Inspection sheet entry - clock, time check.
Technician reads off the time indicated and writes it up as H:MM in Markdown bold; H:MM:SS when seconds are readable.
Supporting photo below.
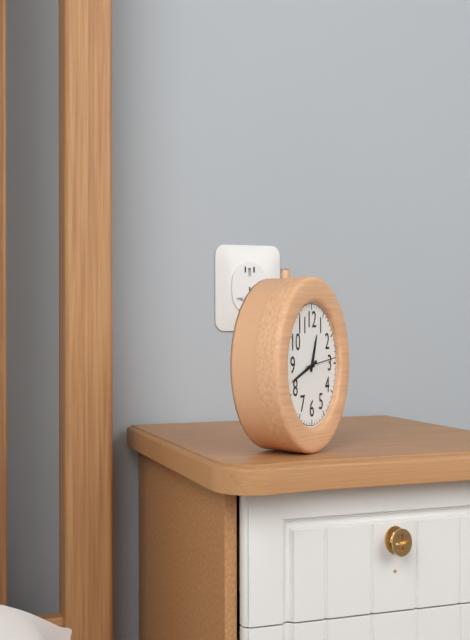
**12:42**
